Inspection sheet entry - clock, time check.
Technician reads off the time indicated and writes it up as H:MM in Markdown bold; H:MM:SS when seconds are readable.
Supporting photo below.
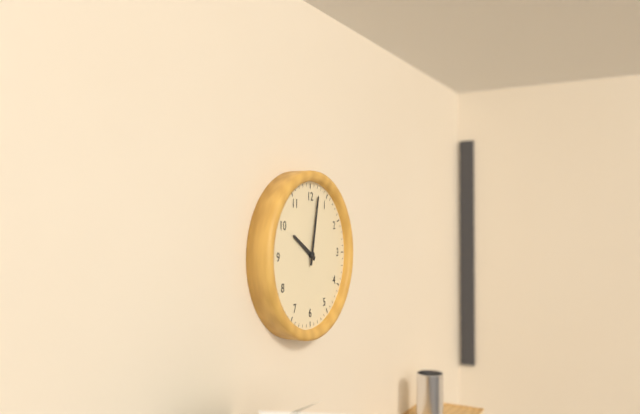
**10:02**
